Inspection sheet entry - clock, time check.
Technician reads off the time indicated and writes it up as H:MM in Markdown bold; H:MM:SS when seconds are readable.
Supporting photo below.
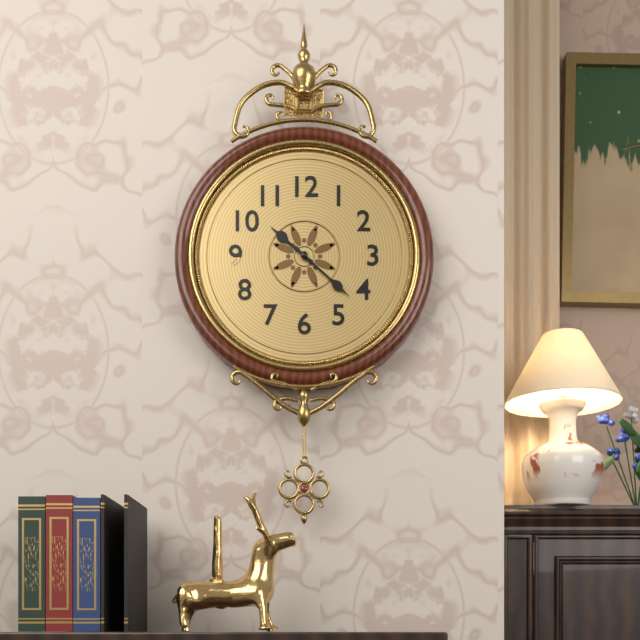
**10:22**
